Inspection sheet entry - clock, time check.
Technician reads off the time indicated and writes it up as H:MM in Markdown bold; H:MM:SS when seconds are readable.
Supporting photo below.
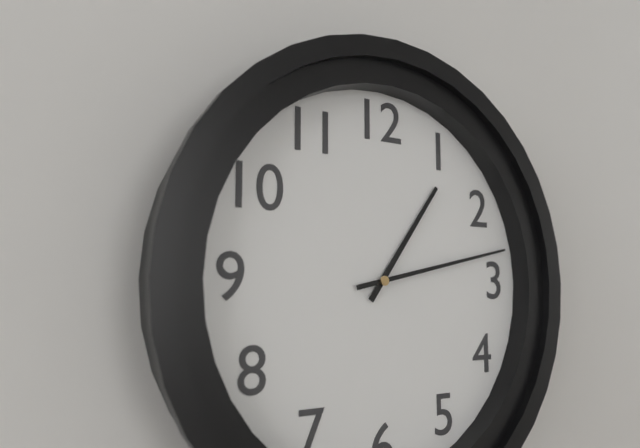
**1:13**
